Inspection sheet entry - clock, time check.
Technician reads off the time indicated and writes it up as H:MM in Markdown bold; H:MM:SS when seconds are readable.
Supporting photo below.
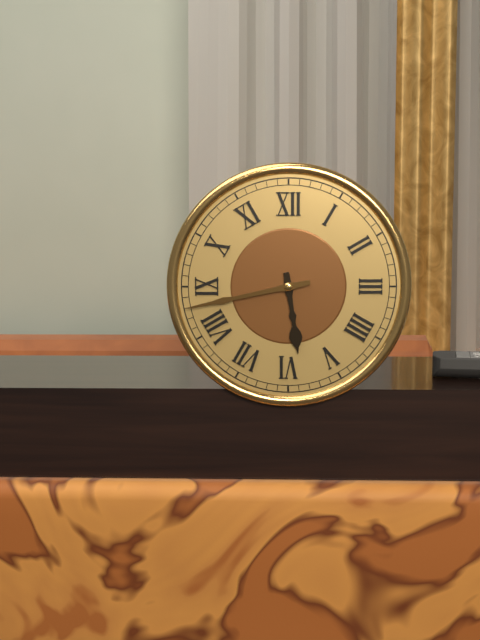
**5:43**
